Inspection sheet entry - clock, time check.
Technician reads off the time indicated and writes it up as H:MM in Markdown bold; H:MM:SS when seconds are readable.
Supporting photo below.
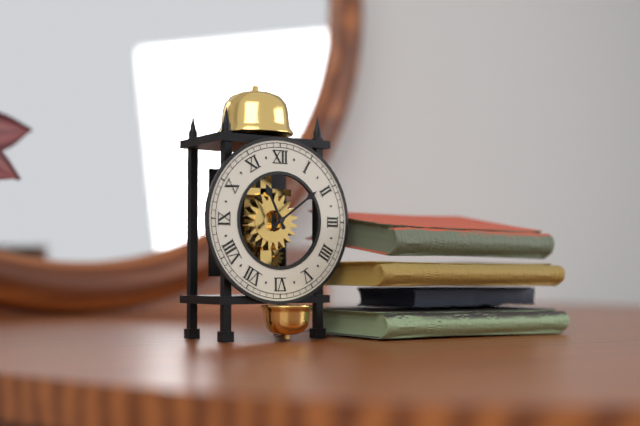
**11:09**
